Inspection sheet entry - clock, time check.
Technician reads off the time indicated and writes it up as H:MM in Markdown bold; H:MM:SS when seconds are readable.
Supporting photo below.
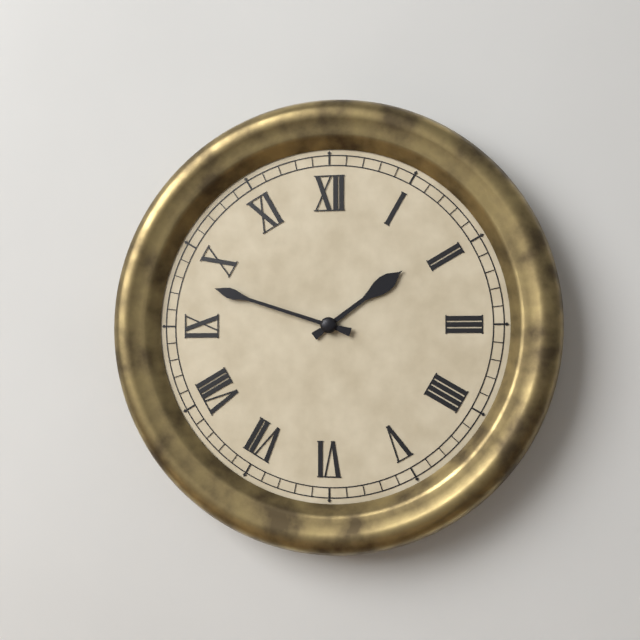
**1:48**
